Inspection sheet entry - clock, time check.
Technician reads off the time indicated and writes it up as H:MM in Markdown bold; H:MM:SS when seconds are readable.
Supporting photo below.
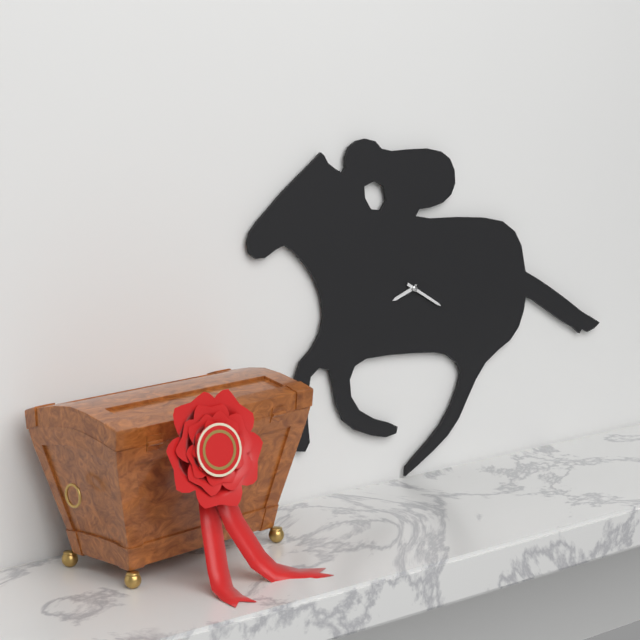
**8:20**
